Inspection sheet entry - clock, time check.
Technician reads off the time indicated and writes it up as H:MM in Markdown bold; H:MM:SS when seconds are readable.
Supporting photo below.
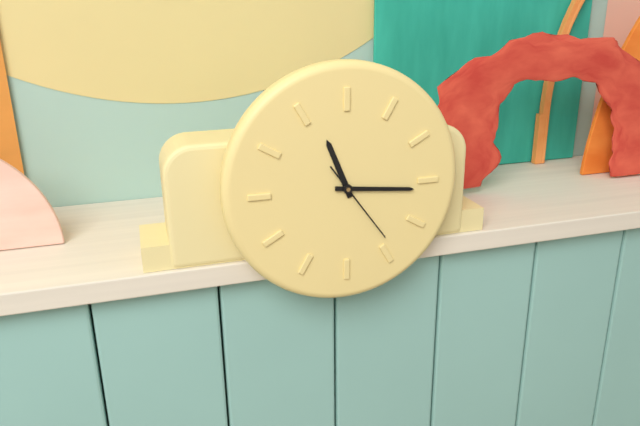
**11:16:24**
